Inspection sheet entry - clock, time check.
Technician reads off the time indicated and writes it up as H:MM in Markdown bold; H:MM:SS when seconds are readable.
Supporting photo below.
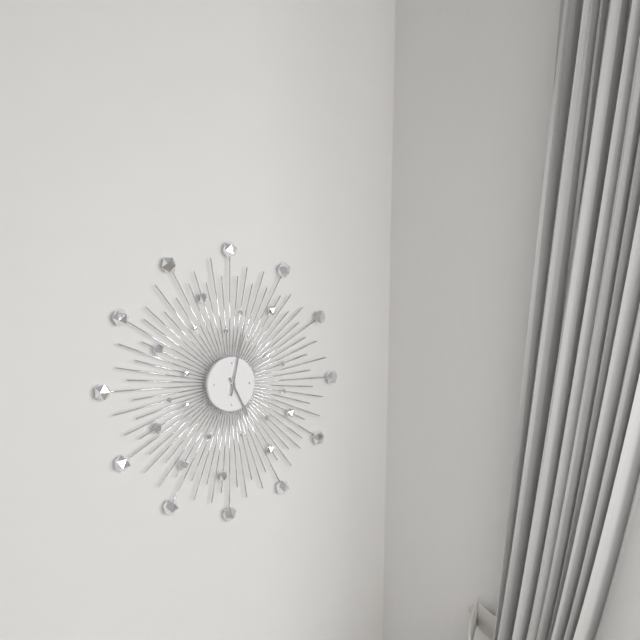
**5:02**
